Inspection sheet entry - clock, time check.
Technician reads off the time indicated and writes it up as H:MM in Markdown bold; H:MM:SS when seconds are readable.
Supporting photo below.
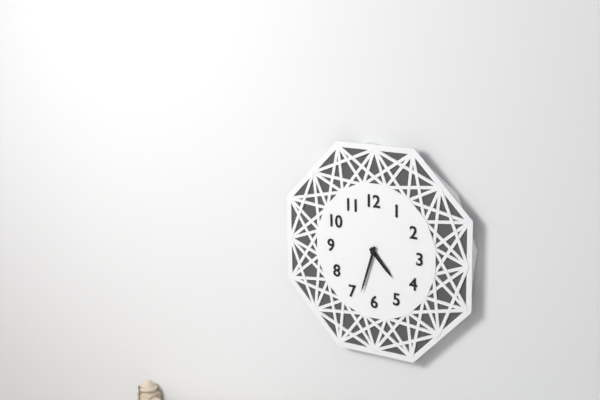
**4:33**
